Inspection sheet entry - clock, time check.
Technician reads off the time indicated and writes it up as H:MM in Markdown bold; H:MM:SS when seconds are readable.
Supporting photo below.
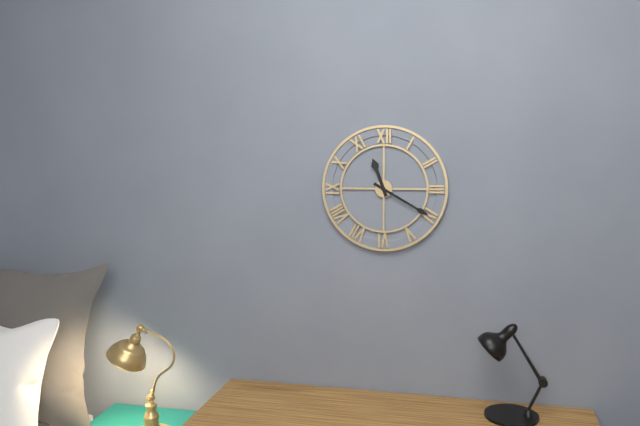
**11:20**
